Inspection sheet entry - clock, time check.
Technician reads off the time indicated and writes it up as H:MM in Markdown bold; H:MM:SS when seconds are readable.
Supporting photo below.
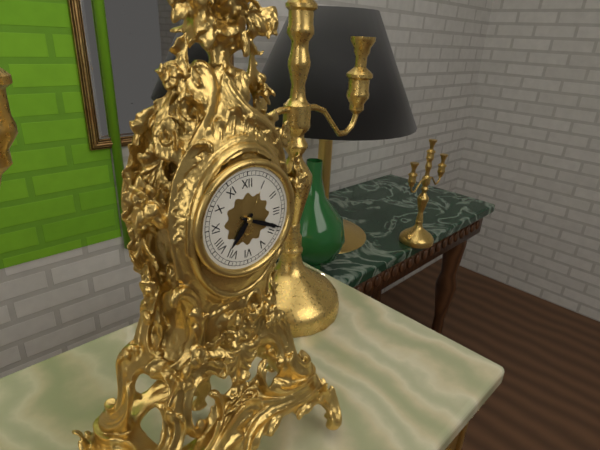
**7:19**
